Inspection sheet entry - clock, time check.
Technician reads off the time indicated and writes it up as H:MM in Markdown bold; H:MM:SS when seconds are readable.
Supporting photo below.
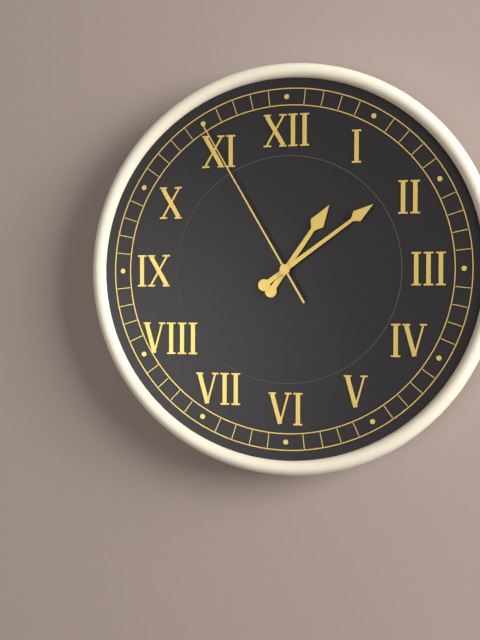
**1:09:55**
